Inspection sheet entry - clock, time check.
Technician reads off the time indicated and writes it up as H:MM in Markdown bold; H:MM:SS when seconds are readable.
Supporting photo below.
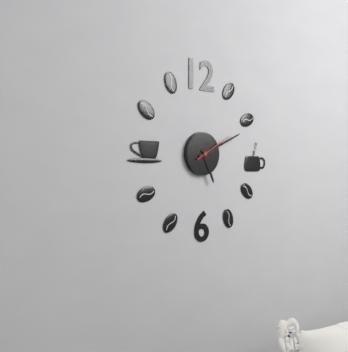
**5:11**
